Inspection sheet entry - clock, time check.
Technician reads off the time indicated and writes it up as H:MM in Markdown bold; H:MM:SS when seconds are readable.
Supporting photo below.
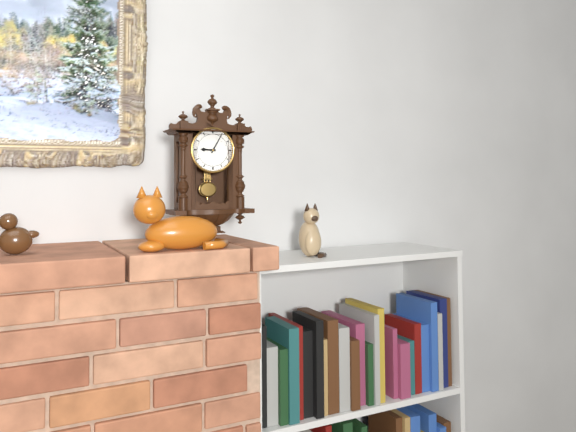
**9:05**
